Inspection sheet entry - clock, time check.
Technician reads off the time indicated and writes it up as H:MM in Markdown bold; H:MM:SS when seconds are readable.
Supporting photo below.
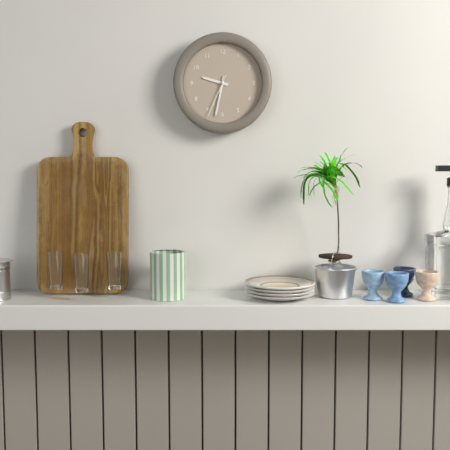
**9:32**
